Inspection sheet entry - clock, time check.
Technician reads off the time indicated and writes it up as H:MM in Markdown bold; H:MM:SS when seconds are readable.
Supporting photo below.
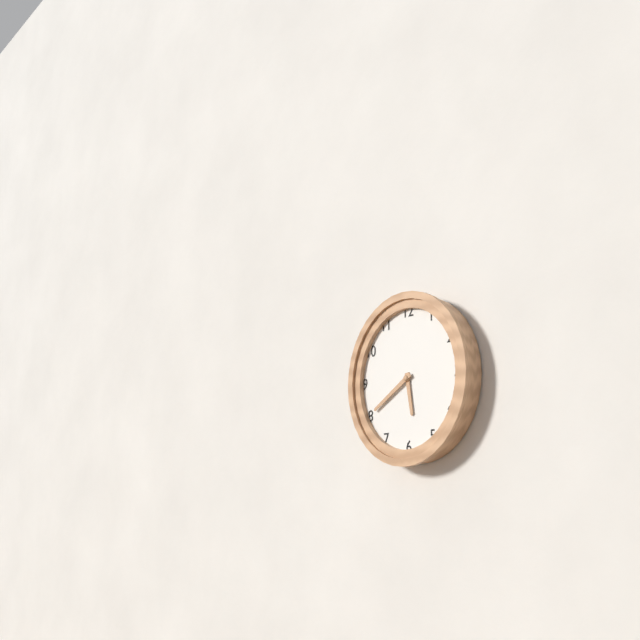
**5:40**
